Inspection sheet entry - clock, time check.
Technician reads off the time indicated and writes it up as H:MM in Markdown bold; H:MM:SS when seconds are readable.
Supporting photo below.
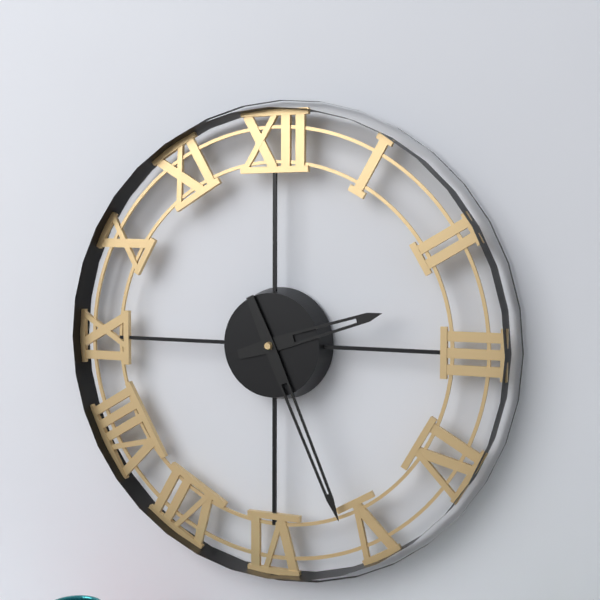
**2:26**
